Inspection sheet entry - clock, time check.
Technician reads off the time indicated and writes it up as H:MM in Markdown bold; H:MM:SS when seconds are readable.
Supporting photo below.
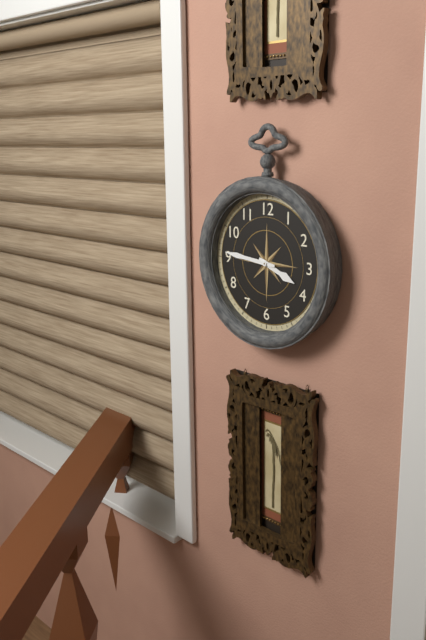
**3:46**
